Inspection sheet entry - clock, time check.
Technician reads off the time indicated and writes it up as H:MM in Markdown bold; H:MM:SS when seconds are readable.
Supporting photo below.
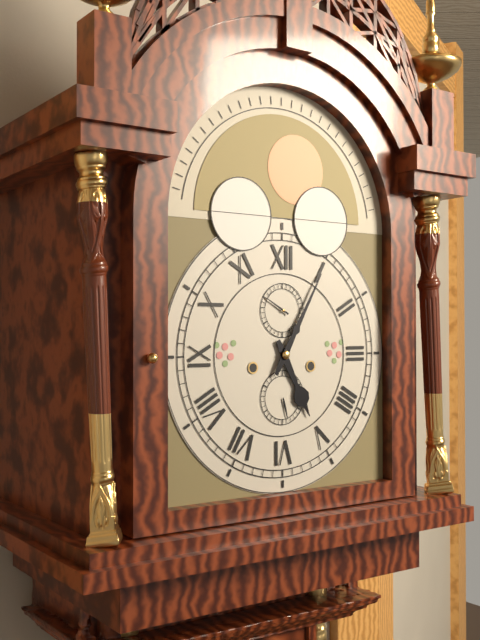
**5:05**
